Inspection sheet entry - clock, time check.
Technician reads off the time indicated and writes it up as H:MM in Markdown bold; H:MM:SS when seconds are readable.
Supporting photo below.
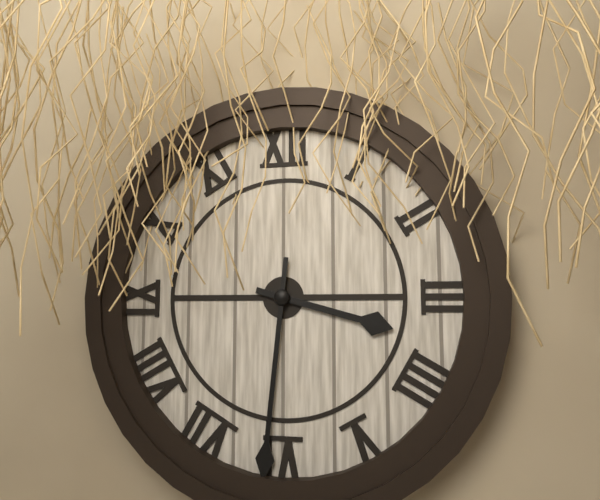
**3:31**
